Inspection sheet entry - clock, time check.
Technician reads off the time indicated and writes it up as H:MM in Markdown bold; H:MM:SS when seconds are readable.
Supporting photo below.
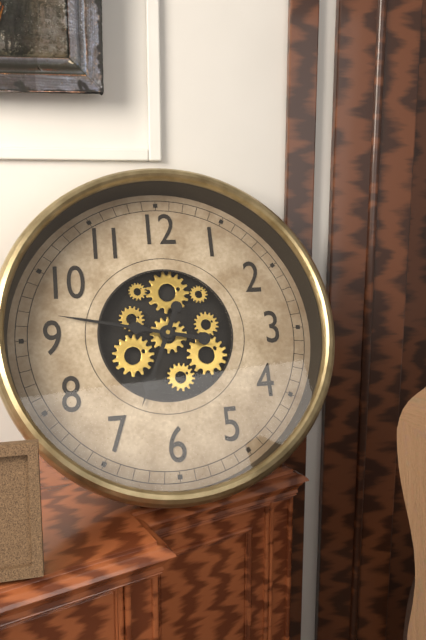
**6:47**
